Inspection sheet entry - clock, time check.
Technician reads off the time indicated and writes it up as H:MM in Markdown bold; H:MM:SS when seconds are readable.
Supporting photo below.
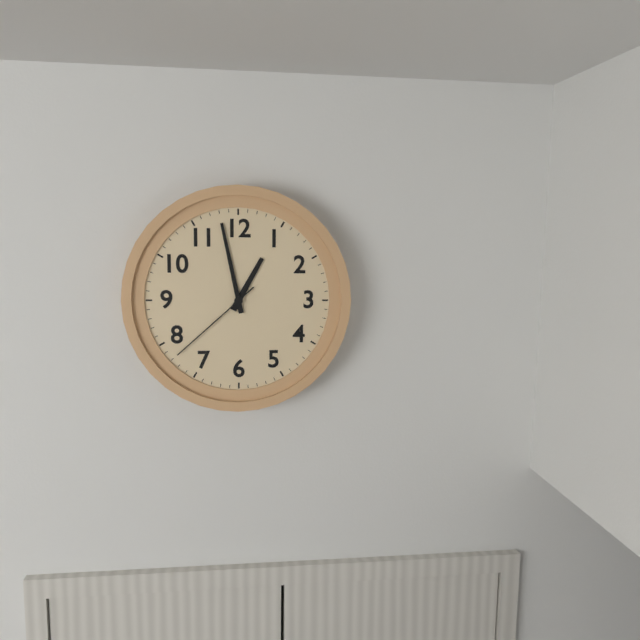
**12:58:38**
